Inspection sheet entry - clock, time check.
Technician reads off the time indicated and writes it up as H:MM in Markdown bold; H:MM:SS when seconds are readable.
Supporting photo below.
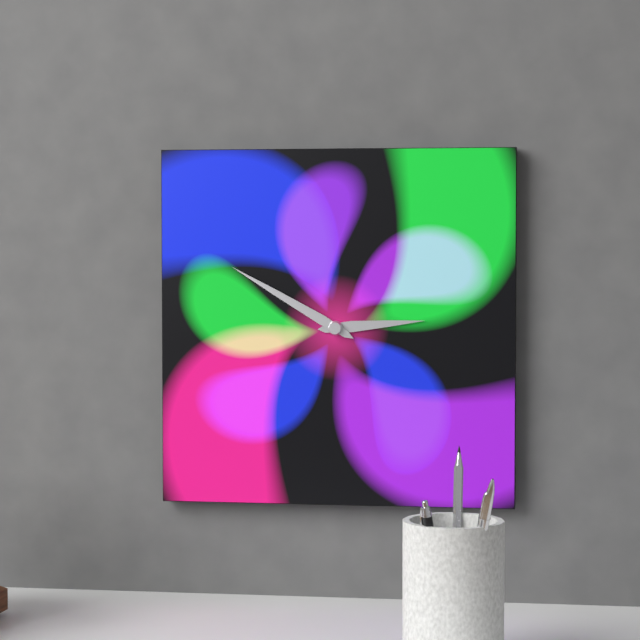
**2:50**
